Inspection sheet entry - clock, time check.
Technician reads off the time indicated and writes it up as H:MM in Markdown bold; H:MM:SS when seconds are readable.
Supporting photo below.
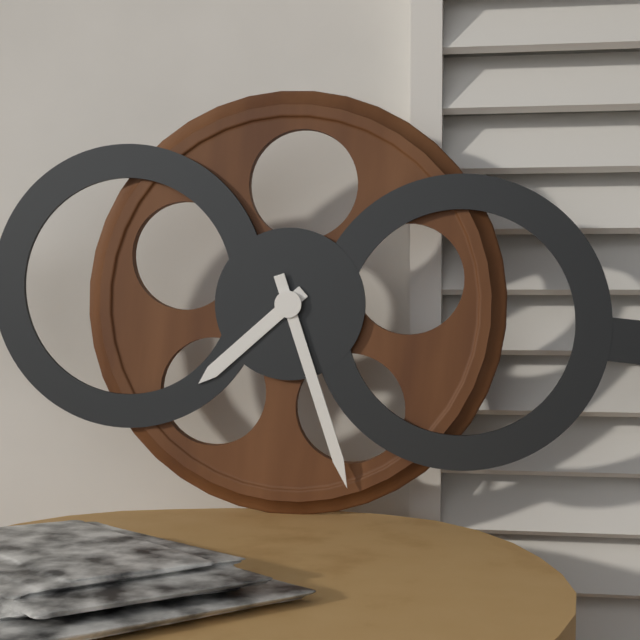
**7:26**
